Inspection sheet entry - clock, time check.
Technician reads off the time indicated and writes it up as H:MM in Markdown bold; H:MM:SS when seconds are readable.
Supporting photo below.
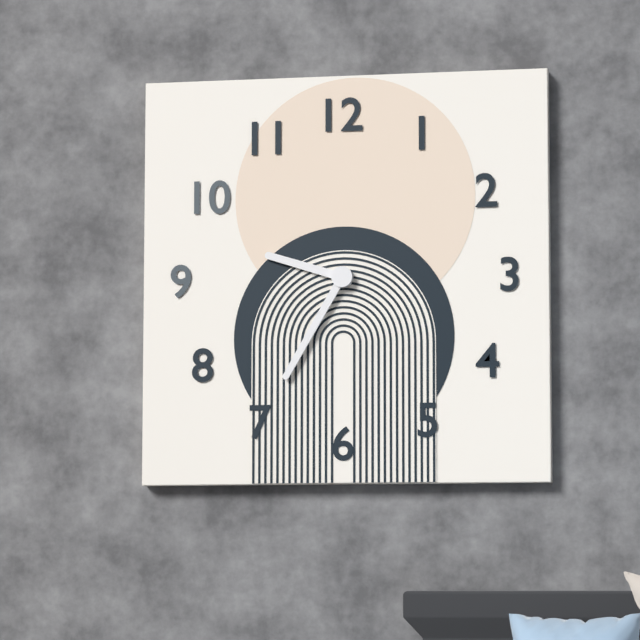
**9:35**
